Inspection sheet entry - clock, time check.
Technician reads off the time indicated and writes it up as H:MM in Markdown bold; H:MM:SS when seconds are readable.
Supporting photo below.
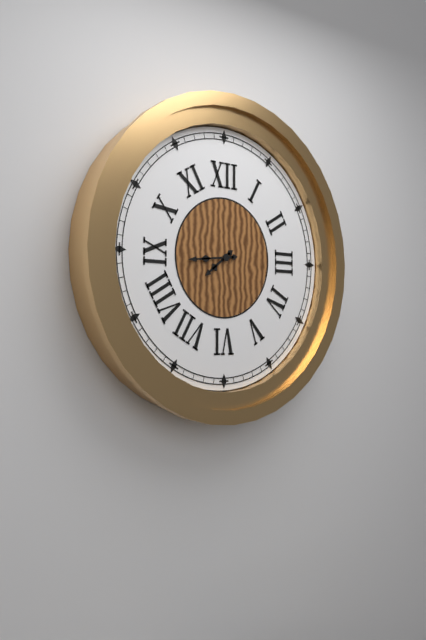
**7:44**
